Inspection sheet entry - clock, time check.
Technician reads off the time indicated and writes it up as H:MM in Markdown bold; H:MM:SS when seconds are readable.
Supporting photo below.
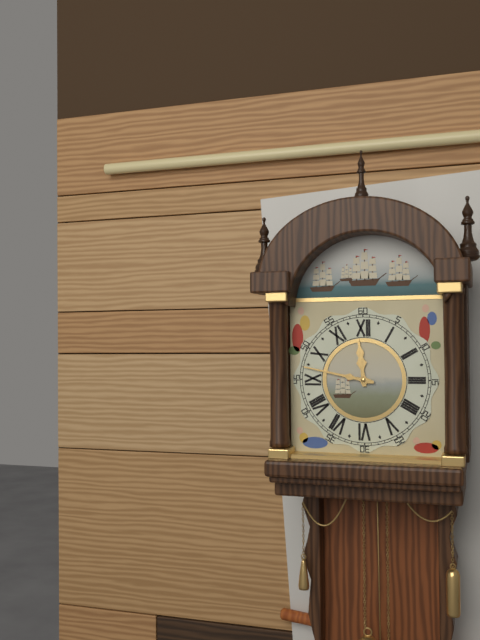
**11:47**
